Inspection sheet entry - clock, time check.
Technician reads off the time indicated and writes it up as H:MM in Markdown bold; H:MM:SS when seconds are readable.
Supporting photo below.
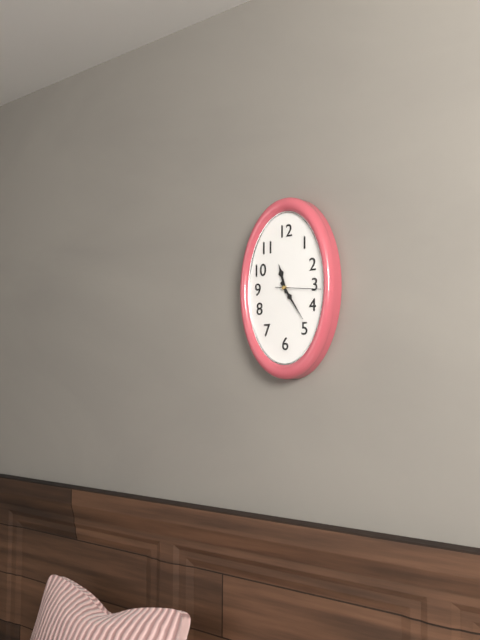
**11:24**
